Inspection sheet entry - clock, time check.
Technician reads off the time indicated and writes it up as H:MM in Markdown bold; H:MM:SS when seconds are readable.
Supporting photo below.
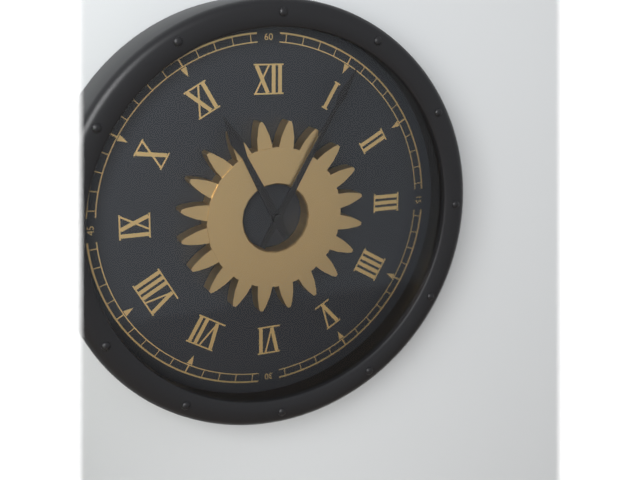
**11:05**
